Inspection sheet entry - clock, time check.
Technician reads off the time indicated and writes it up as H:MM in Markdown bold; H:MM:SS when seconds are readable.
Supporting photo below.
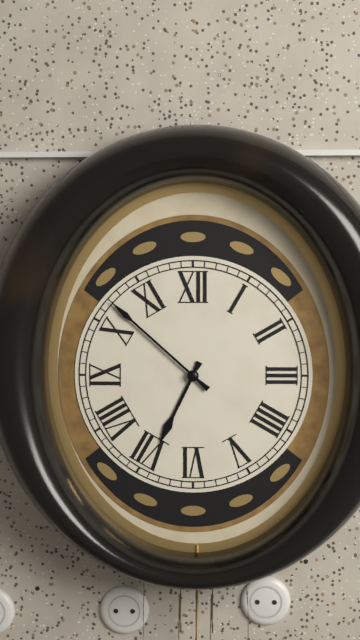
**6:52**
